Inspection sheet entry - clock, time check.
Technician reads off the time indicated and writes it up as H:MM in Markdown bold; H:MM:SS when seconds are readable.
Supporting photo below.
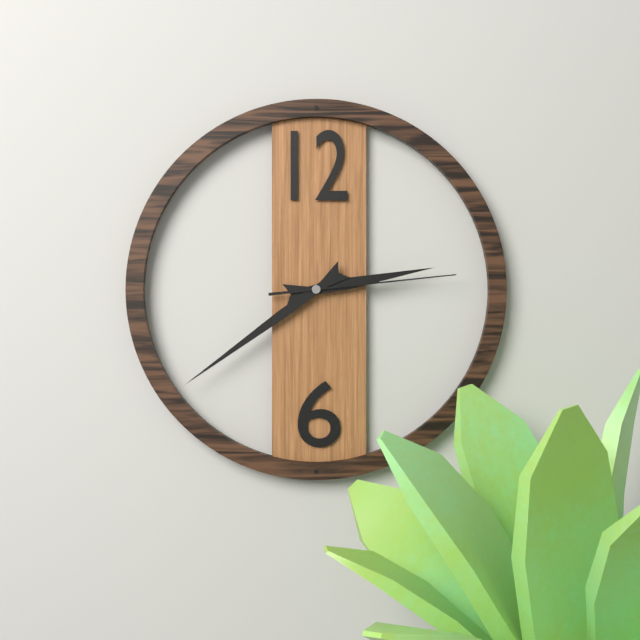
**2:39:14**
